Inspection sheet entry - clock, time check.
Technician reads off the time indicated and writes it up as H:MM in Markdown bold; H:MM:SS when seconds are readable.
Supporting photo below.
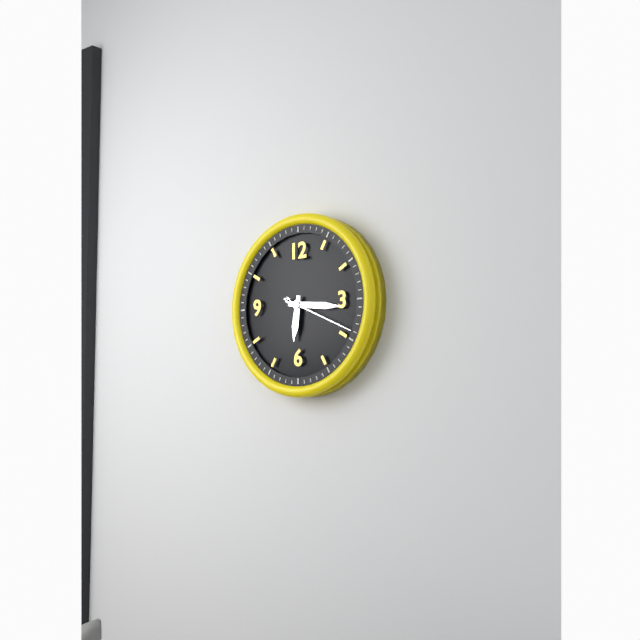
**6:16:19**
